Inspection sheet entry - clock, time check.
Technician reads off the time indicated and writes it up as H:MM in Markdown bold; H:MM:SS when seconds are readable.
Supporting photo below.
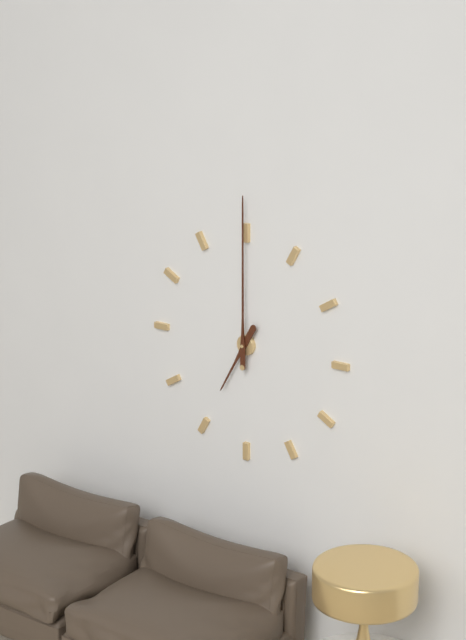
**7:00**
